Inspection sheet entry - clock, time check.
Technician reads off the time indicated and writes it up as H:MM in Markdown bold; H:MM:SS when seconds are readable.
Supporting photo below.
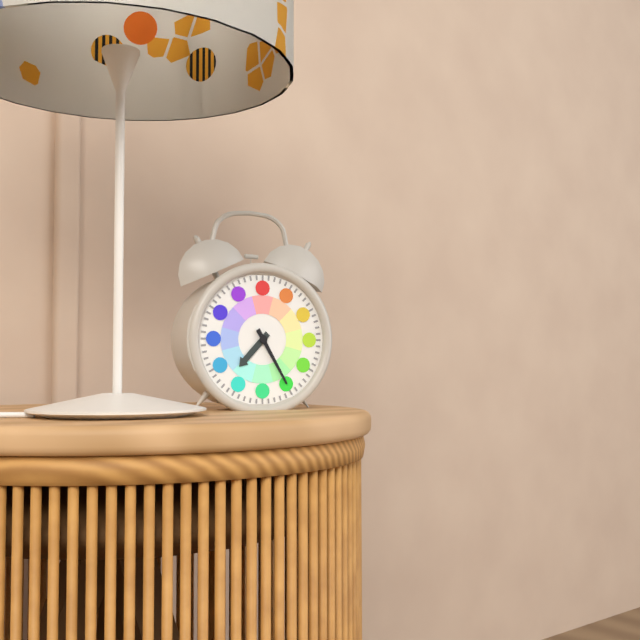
**7:25**
